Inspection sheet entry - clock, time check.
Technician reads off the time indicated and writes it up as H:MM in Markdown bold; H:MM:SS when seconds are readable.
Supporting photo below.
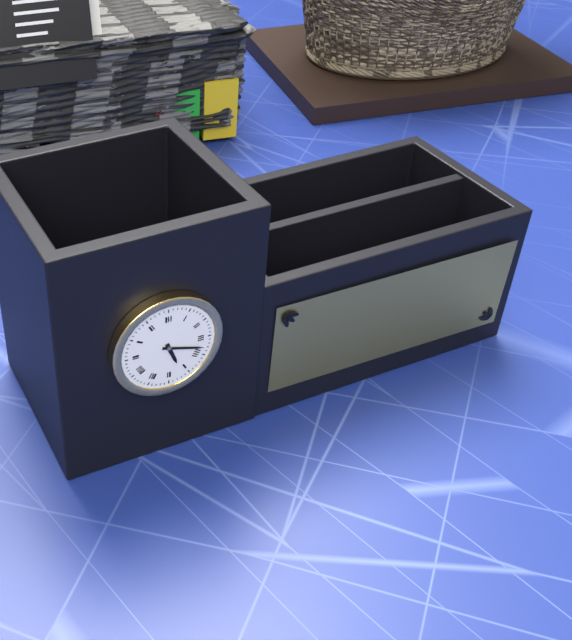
**5:18**
